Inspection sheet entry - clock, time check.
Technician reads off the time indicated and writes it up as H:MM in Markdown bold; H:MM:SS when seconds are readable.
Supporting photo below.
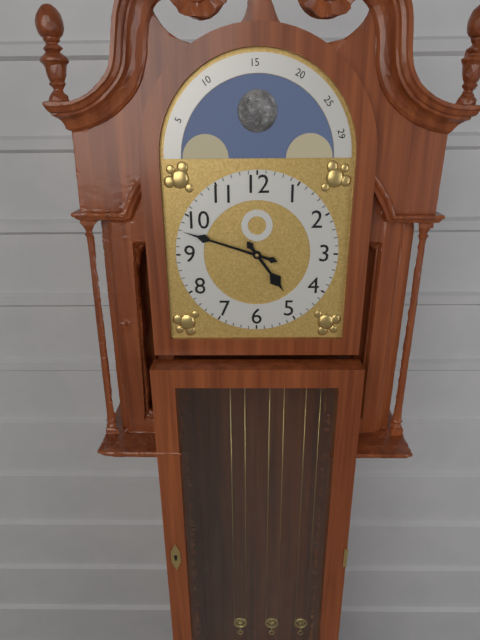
**4:48**
